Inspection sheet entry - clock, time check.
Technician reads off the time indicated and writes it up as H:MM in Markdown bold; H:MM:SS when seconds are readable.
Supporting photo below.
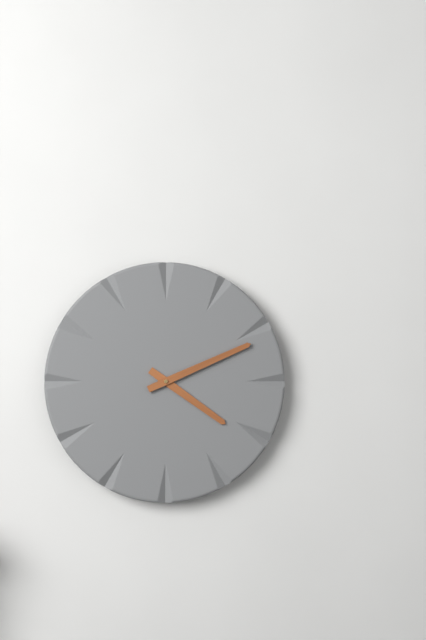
**4:11**
